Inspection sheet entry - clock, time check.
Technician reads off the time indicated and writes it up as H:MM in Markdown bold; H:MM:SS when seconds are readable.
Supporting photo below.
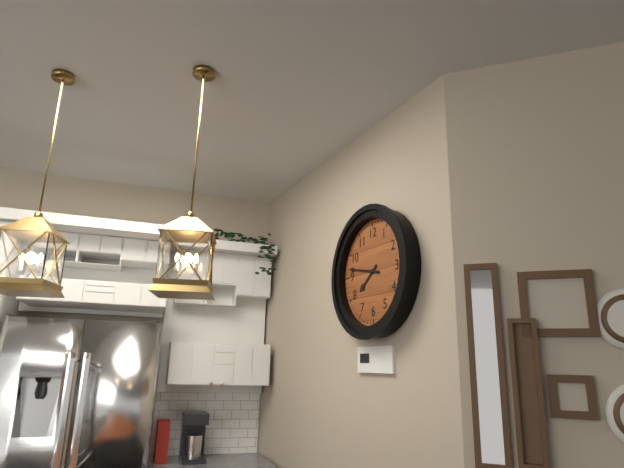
**7:47**
